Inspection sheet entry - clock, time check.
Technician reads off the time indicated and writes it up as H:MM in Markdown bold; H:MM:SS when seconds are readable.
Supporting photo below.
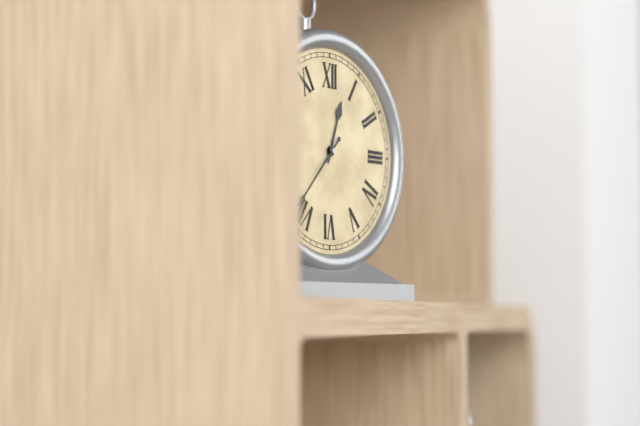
**12:37**
